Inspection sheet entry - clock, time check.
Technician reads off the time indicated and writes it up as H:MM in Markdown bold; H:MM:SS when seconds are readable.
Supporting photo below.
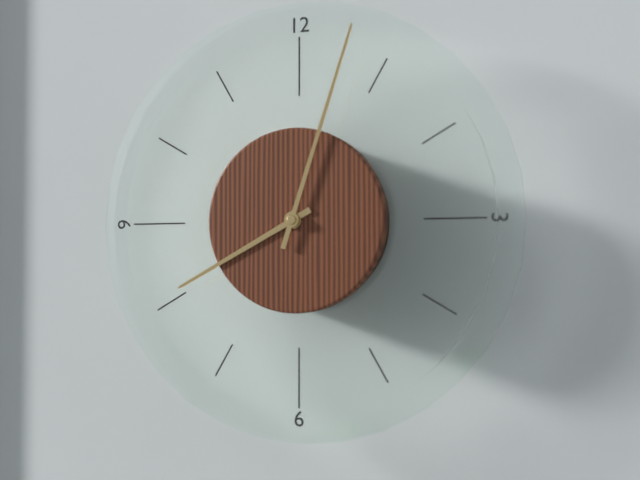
**8:03**
